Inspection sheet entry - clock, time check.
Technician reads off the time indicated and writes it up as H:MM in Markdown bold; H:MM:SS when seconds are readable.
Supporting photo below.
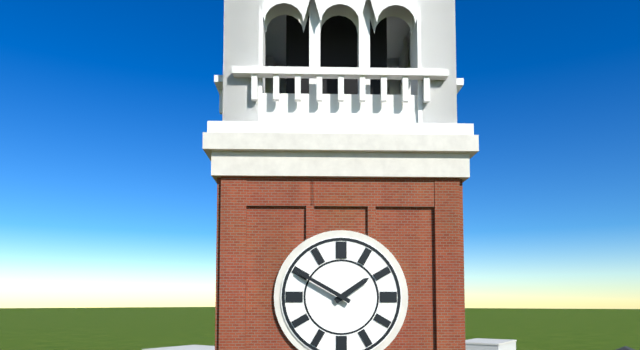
**1:50**
